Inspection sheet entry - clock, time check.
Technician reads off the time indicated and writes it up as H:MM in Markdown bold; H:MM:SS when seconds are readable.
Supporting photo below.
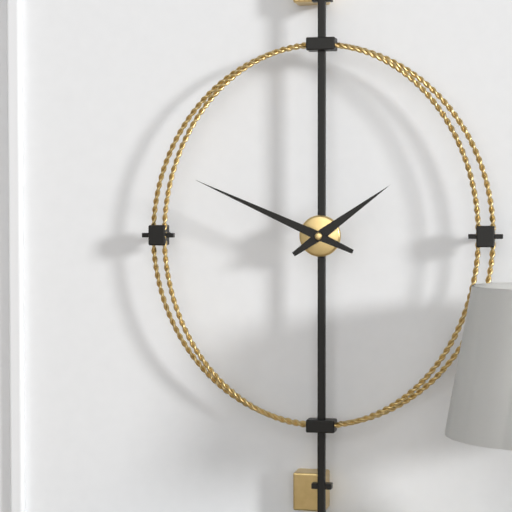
**1:49**
